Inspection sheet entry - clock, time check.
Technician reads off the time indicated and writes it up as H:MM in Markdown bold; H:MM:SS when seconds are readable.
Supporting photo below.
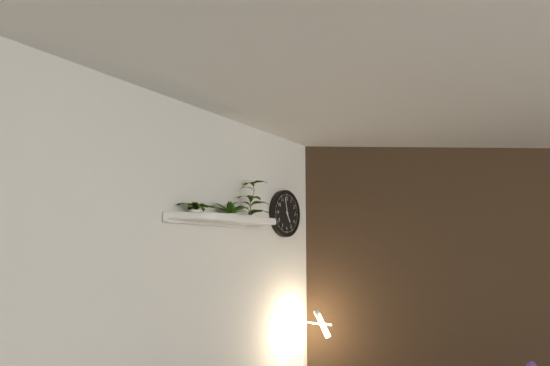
**4:58**
